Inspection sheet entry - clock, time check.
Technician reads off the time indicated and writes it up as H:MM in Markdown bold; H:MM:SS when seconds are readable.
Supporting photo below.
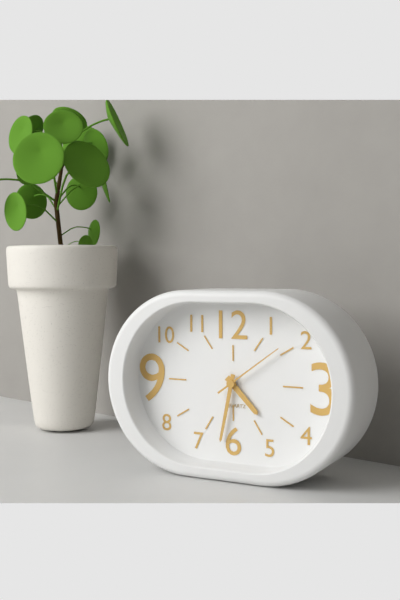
**4:32:09**
